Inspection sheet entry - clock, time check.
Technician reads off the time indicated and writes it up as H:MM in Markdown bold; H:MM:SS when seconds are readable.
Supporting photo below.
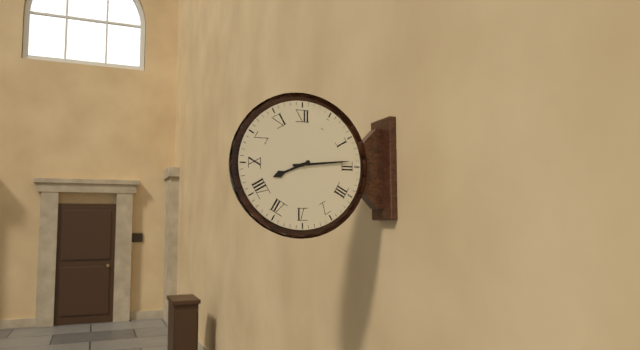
**8:14**
